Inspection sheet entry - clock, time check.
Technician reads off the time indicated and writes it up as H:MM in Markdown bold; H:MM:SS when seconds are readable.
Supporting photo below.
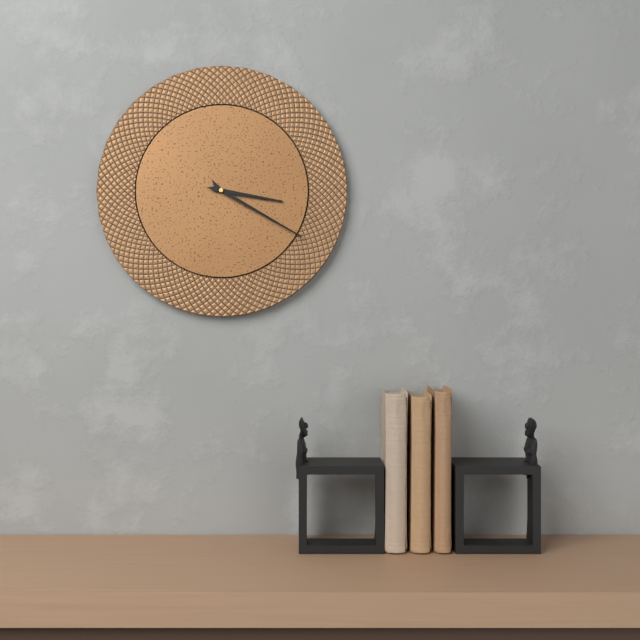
**3:20**
